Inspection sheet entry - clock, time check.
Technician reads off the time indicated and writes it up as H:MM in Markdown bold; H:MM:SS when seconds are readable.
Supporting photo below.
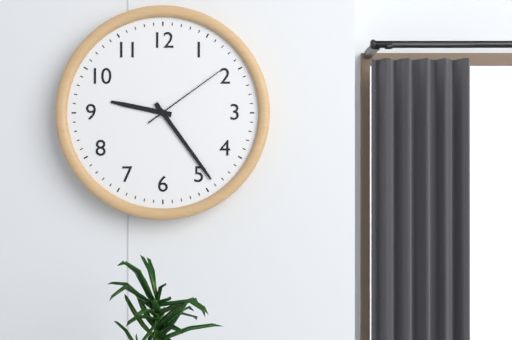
**9:24:09**
